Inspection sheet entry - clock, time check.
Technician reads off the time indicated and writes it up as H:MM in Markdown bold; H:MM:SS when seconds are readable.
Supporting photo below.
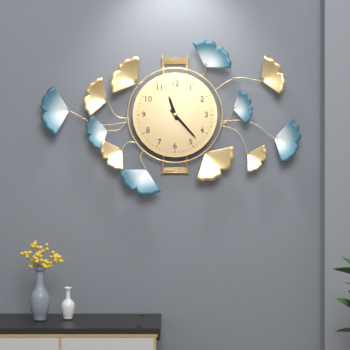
**11:23**
